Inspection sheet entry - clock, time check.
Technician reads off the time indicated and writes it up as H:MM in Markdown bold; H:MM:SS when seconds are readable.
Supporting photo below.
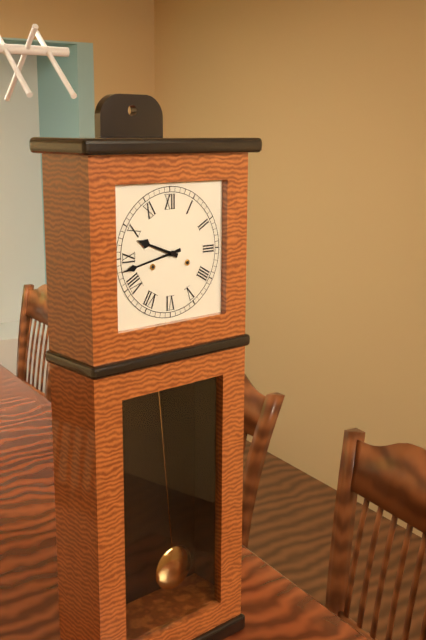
**9:43**
